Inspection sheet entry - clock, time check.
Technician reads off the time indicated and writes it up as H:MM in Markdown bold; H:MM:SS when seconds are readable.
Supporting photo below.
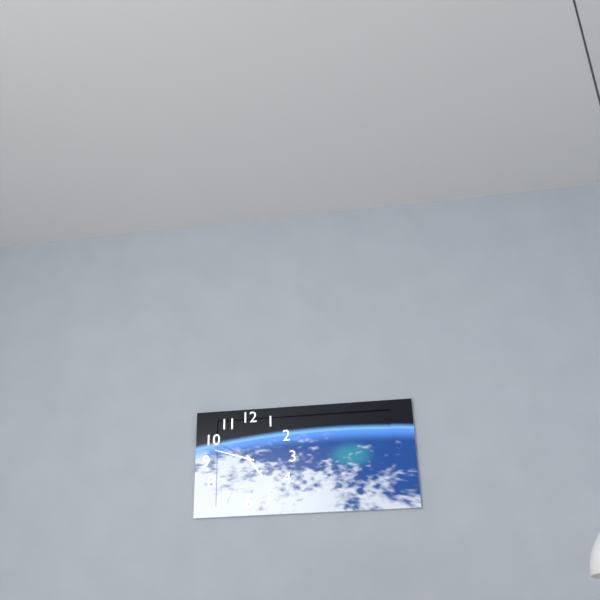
**4:48**
